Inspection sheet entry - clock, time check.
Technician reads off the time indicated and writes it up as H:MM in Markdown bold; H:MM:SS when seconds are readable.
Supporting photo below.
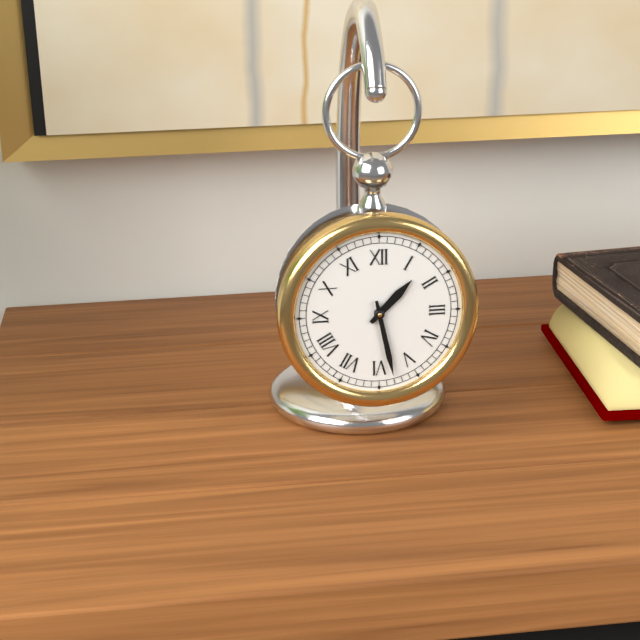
**1:28**
